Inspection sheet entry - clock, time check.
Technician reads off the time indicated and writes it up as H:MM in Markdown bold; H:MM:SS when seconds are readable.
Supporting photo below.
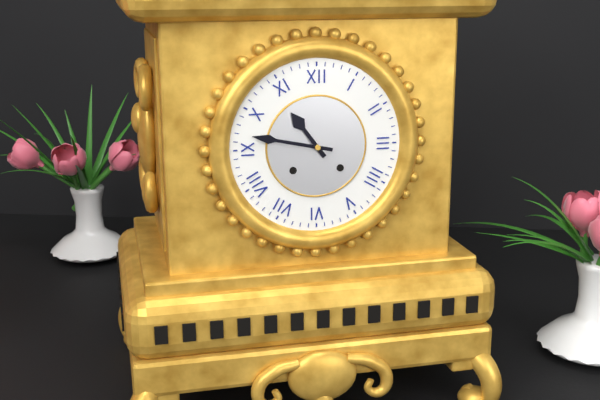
**10:47**
